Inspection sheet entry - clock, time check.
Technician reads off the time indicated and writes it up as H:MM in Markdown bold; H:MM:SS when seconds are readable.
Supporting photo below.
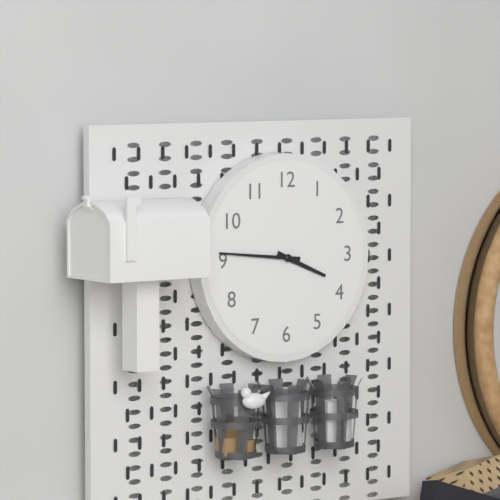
**3:46**
